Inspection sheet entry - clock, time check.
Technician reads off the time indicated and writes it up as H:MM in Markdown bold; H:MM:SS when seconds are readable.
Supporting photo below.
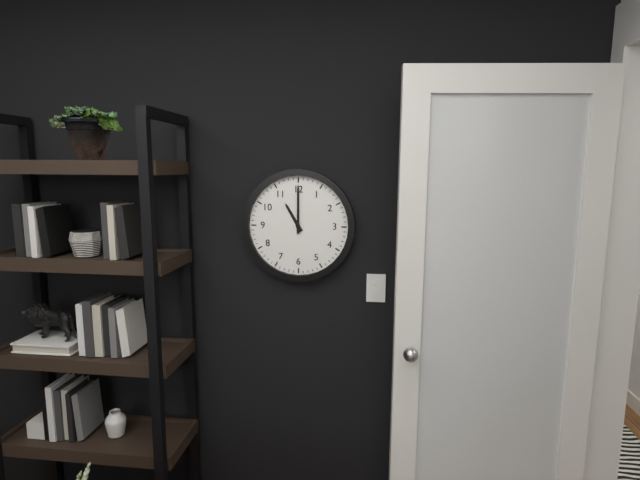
**11:00**
